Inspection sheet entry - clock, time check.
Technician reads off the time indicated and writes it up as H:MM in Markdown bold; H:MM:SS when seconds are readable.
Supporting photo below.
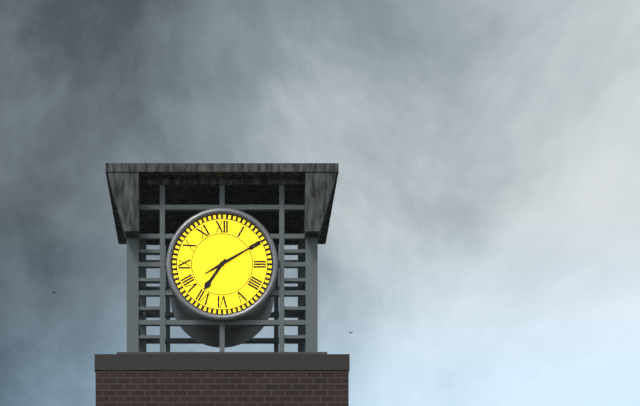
**7:10**
